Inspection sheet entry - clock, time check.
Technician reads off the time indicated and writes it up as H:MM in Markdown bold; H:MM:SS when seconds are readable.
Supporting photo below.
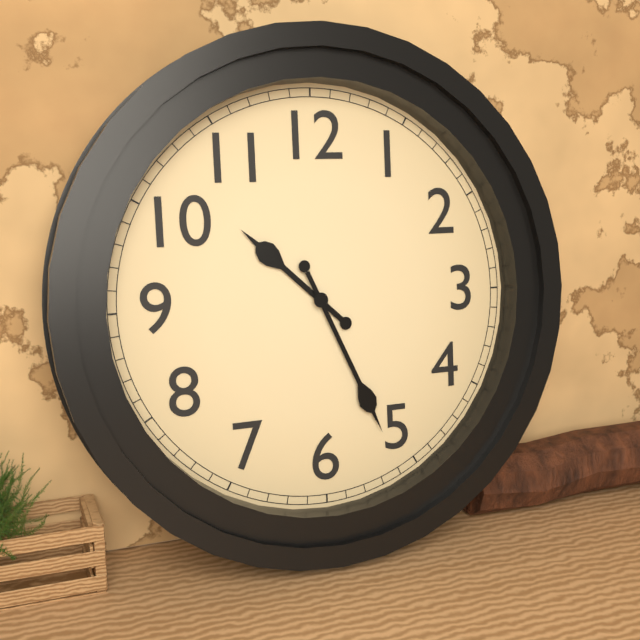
**10:26**
